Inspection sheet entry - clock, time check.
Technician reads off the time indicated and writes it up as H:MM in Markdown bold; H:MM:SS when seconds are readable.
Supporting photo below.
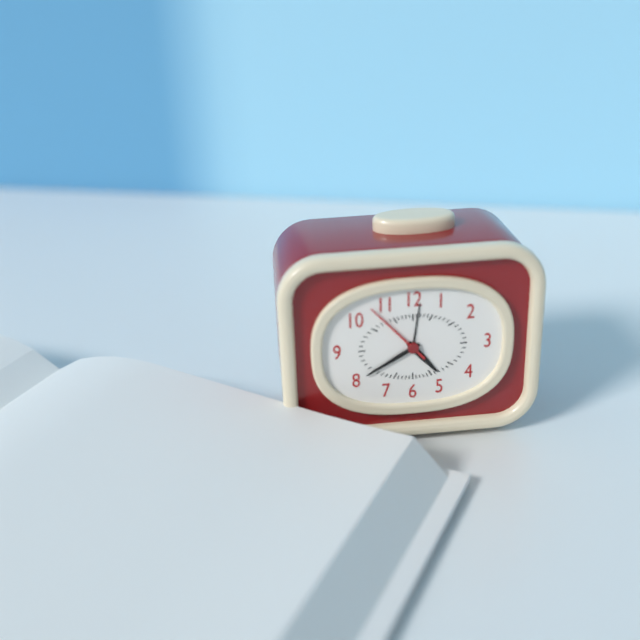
**4:40**
